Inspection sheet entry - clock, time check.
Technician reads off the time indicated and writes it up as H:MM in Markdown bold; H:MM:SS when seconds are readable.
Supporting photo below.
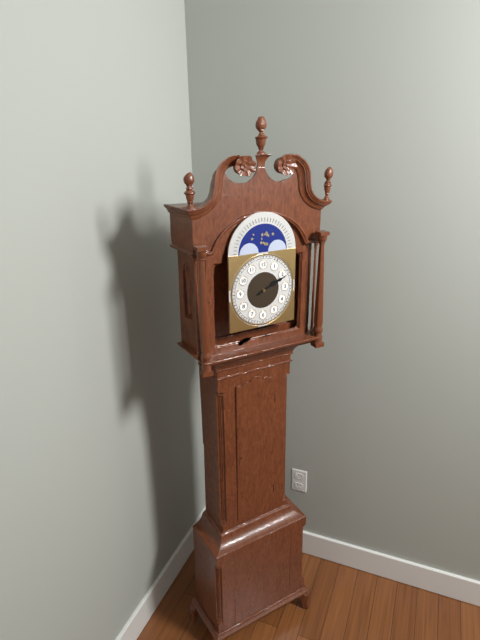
**2:11**
